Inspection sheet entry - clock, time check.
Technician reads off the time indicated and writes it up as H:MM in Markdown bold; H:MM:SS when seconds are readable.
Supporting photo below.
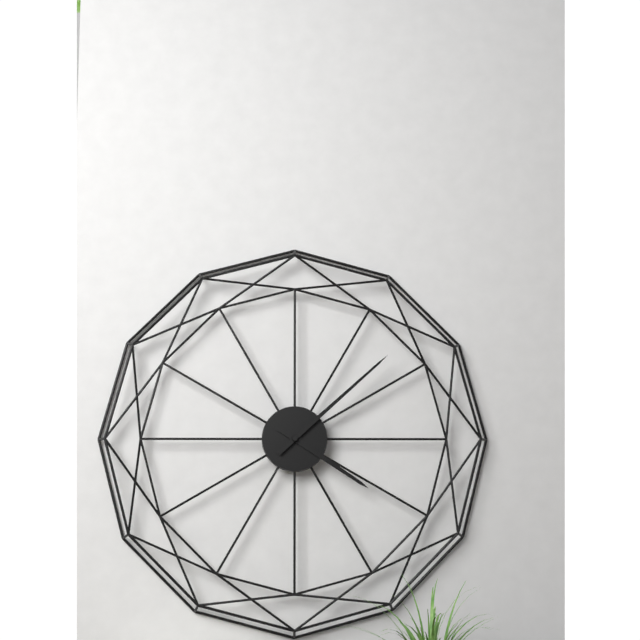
**4:08**
